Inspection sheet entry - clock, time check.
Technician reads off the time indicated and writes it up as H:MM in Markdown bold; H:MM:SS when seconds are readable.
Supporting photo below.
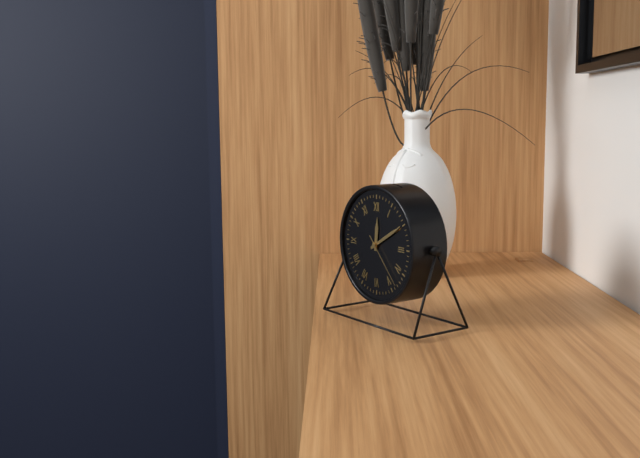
**12:10:23**
